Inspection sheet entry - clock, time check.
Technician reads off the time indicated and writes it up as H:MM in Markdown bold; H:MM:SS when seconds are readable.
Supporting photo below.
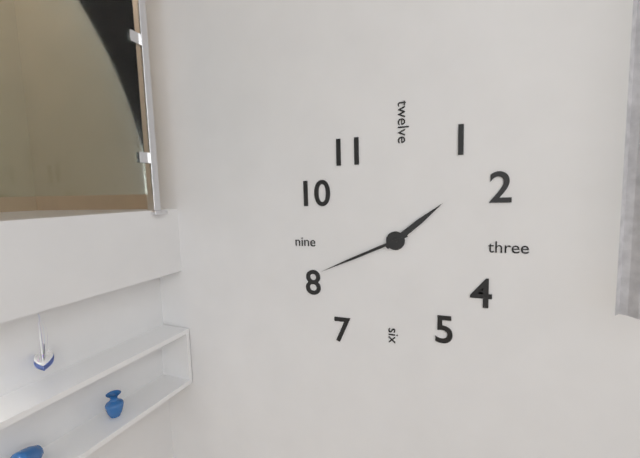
**1:41**
